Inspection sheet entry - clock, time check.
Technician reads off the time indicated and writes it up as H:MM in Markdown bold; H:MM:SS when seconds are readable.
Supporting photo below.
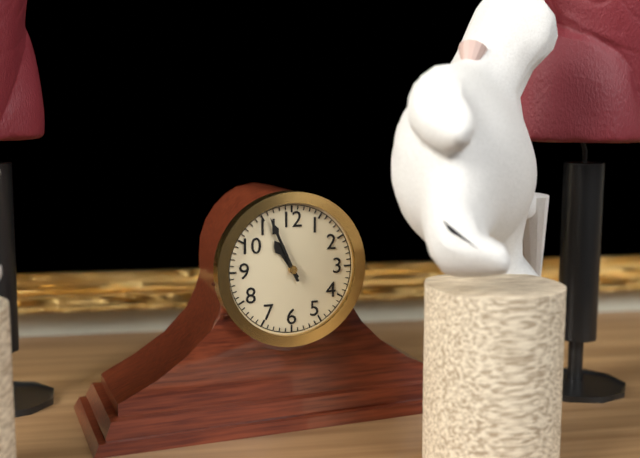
**10:56**
